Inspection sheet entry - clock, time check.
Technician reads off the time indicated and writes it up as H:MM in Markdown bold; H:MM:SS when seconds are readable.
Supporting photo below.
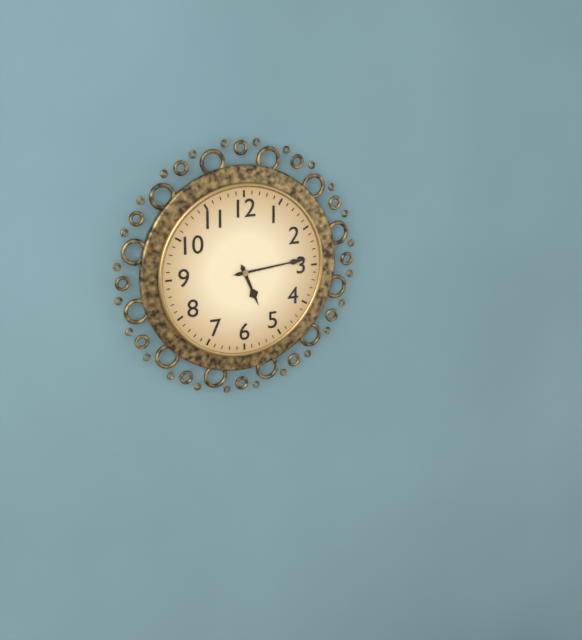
**5:14**
